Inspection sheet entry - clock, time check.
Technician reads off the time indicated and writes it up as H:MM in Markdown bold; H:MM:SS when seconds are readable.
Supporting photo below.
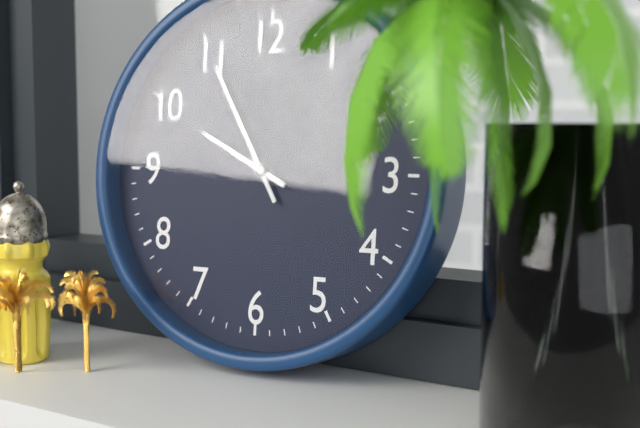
**9:55**
